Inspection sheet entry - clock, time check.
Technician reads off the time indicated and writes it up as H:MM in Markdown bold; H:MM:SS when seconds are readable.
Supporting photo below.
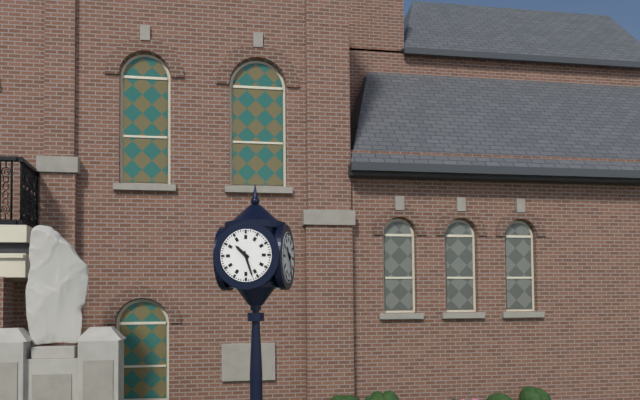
**10:27**
